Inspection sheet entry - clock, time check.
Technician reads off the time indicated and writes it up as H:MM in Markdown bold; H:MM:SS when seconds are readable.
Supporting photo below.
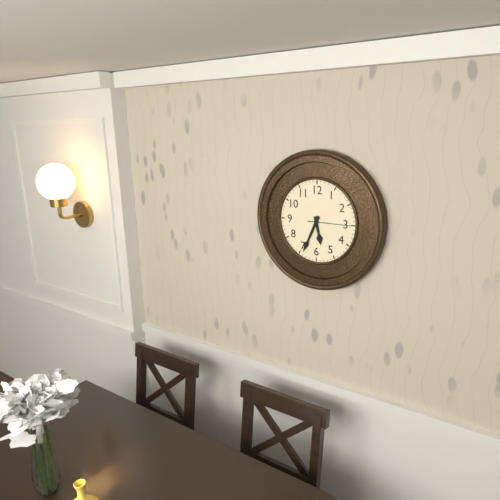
**5:34**
